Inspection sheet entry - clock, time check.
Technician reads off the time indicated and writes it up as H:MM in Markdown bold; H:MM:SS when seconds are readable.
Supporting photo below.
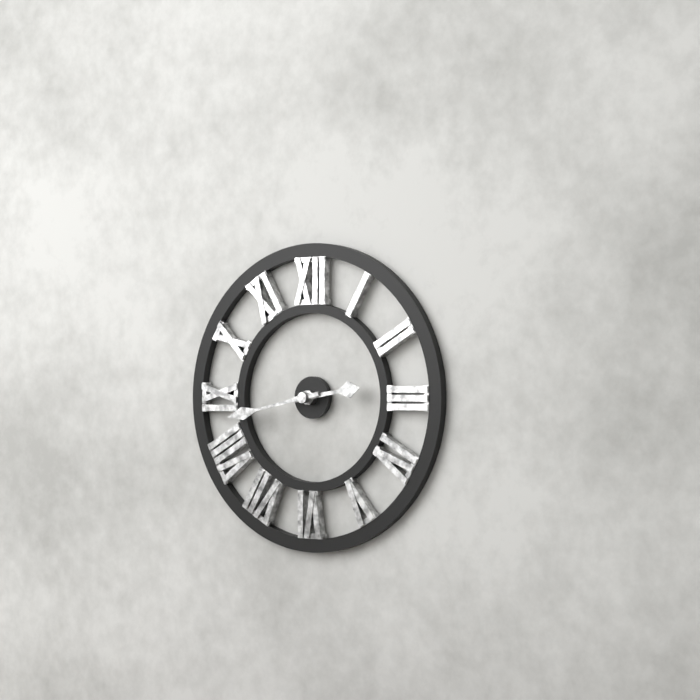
**2:43**
